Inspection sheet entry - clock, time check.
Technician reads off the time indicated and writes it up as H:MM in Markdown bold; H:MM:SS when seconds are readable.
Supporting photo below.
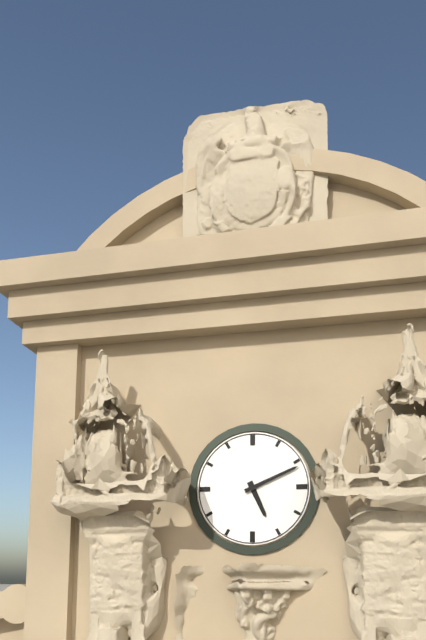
**5:11**
